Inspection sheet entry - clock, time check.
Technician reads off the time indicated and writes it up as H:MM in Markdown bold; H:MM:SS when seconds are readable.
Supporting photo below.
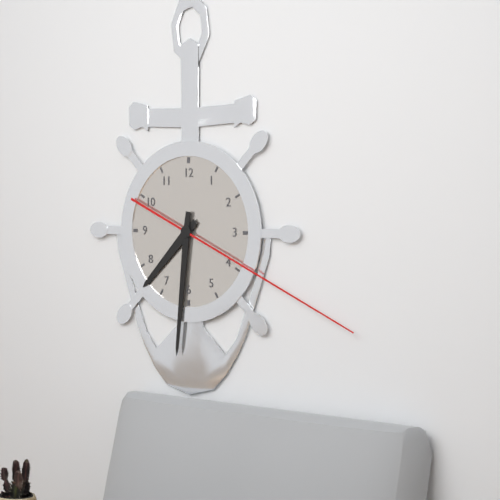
**7:31:19**
